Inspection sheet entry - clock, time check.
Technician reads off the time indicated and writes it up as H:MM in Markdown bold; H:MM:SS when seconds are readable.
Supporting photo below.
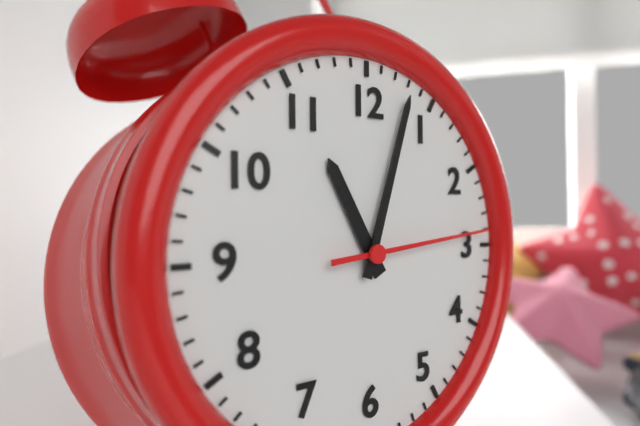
**11:03:14**
